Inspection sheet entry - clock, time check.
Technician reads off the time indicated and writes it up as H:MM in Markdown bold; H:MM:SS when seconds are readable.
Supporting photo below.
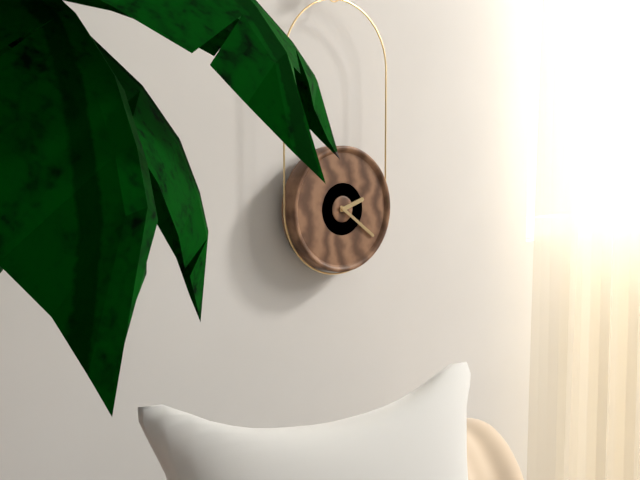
**2:21**
